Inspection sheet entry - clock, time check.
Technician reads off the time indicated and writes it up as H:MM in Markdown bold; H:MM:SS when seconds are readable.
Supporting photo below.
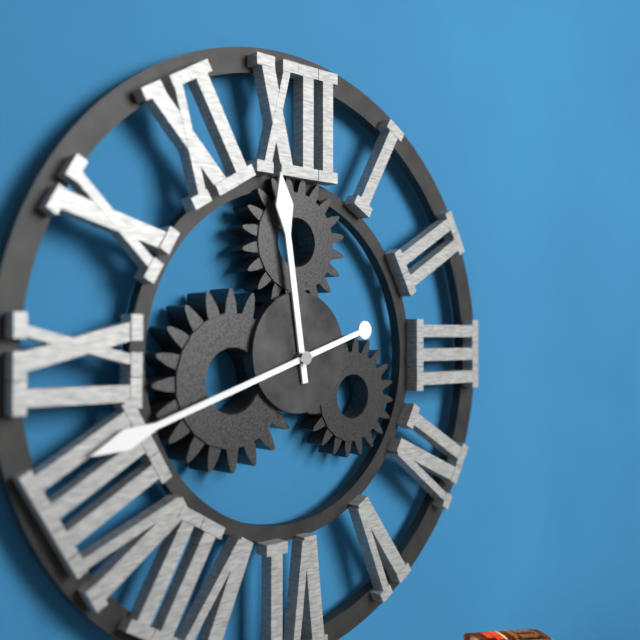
**11:42**
